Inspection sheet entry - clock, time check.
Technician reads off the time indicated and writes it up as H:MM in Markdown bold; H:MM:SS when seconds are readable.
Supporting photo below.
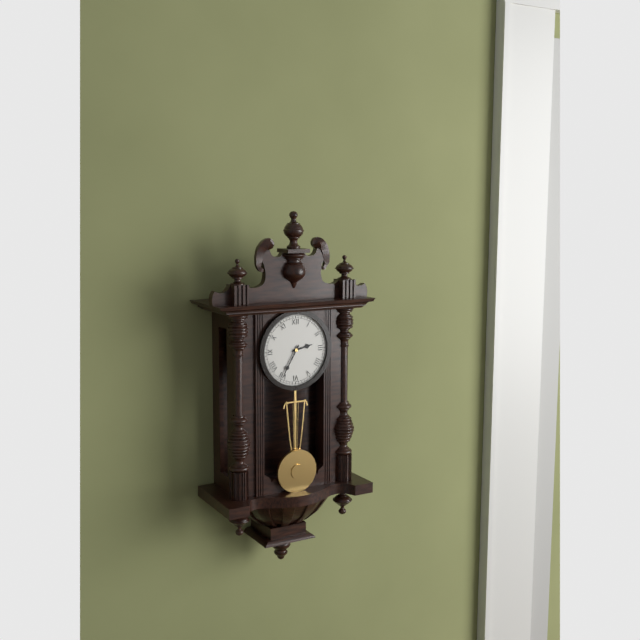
**2:35**
